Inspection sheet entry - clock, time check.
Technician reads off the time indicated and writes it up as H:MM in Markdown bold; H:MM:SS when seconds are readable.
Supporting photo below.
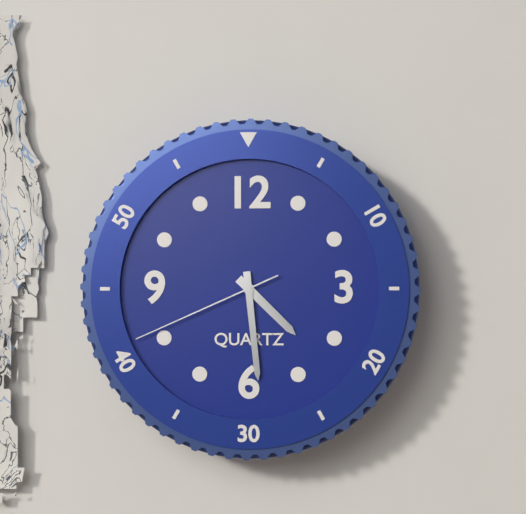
**4:29:41**
